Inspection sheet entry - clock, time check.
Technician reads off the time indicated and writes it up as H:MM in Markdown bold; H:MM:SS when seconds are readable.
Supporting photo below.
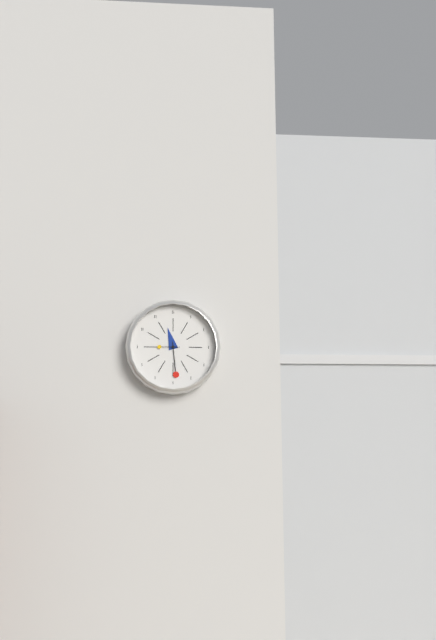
**11:29**
